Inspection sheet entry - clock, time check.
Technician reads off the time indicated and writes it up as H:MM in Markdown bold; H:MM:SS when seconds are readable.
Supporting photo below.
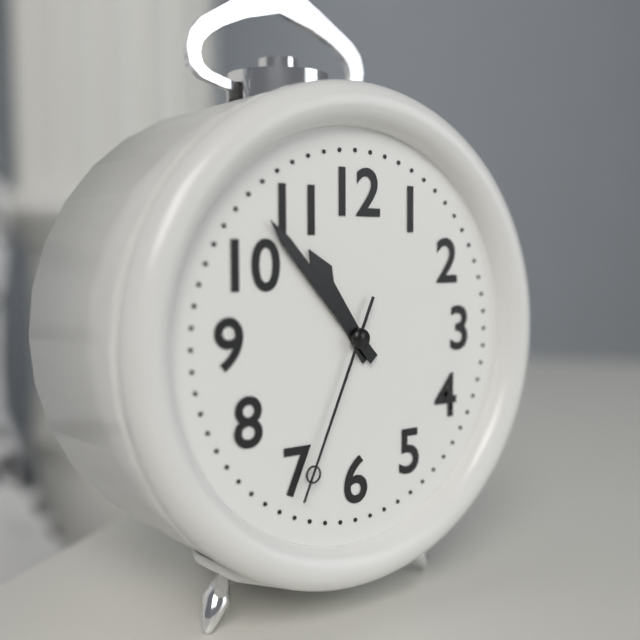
**10:53:34**
